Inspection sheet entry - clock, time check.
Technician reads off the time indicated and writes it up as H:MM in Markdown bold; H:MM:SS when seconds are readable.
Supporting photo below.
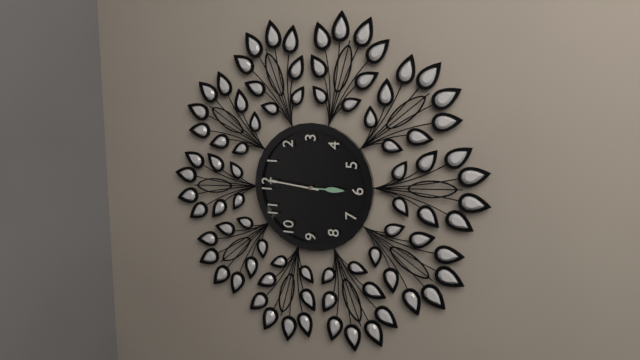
**6:01**
